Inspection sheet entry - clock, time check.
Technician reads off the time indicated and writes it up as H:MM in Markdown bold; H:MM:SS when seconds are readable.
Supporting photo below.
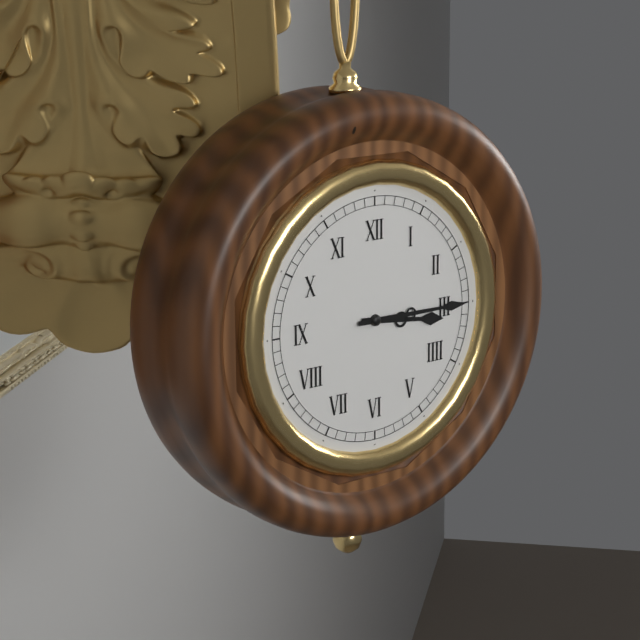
**3:15**
